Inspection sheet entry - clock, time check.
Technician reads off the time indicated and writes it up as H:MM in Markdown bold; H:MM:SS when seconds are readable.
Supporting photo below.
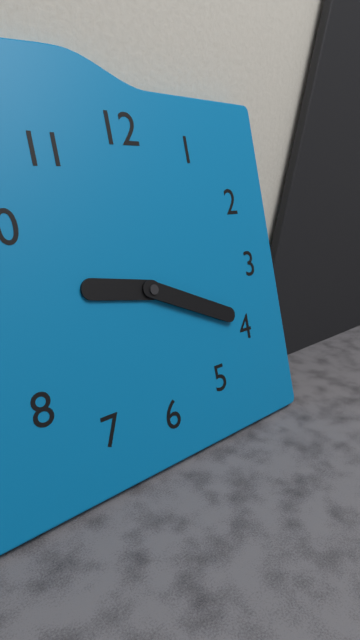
**9:19**
